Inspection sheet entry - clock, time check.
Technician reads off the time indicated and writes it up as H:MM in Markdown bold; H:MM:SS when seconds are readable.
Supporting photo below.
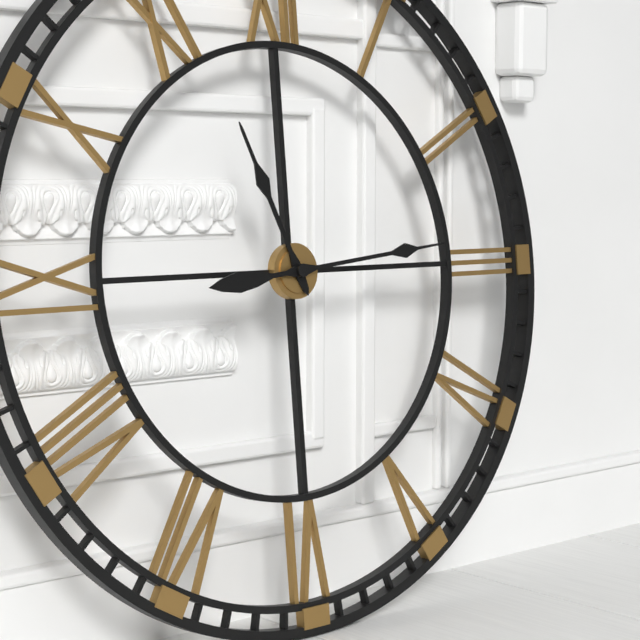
**11:14**
